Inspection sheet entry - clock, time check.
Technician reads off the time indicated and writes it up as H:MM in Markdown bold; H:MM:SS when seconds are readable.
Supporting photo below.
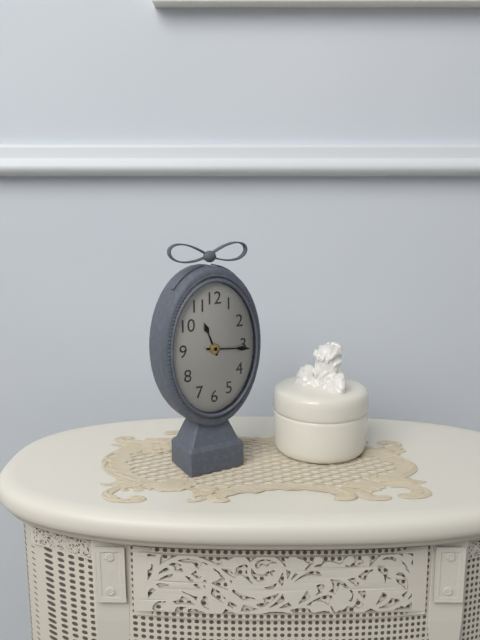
**11:16**
